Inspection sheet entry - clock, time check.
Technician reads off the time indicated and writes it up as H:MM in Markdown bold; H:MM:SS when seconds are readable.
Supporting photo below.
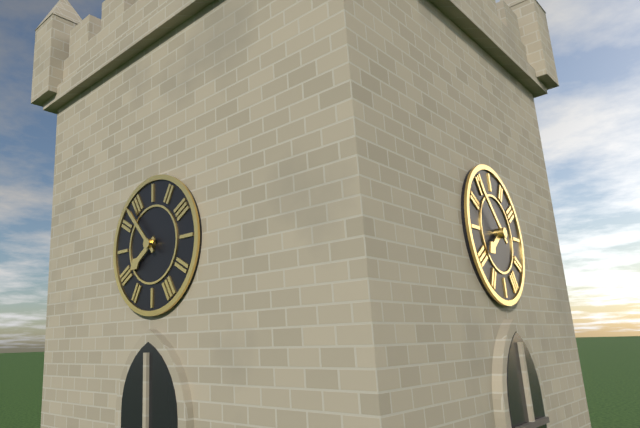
**7:53**
